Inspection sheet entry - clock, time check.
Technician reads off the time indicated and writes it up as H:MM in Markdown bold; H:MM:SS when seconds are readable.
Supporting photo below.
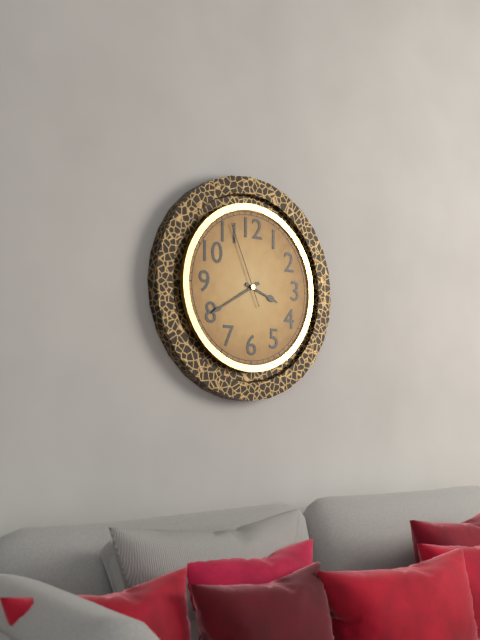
**3:40:56**
